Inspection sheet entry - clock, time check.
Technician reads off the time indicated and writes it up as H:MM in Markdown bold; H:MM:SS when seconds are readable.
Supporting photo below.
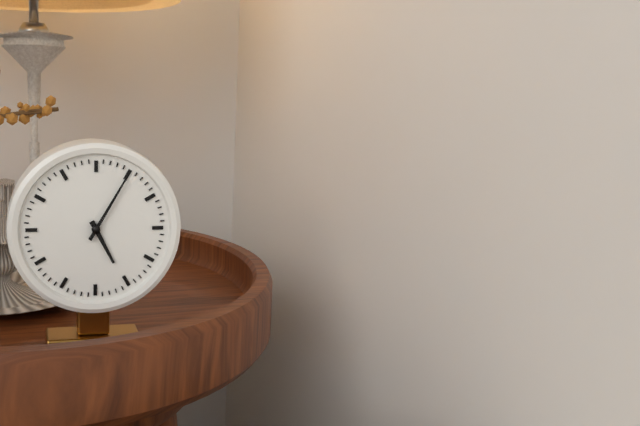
**5:05**
